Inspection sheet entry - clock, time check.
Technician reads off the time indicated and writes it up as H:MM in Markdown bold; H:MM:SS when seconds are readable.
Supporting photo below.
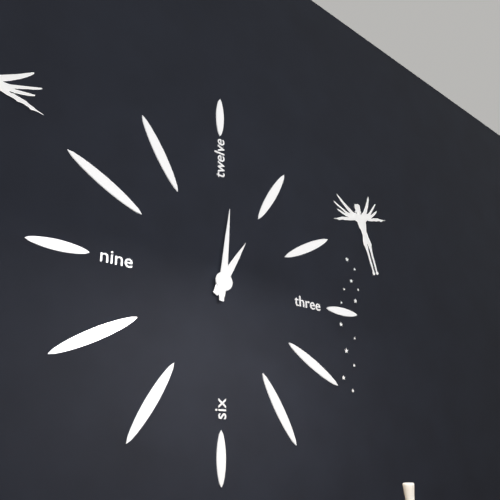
**1:01**
